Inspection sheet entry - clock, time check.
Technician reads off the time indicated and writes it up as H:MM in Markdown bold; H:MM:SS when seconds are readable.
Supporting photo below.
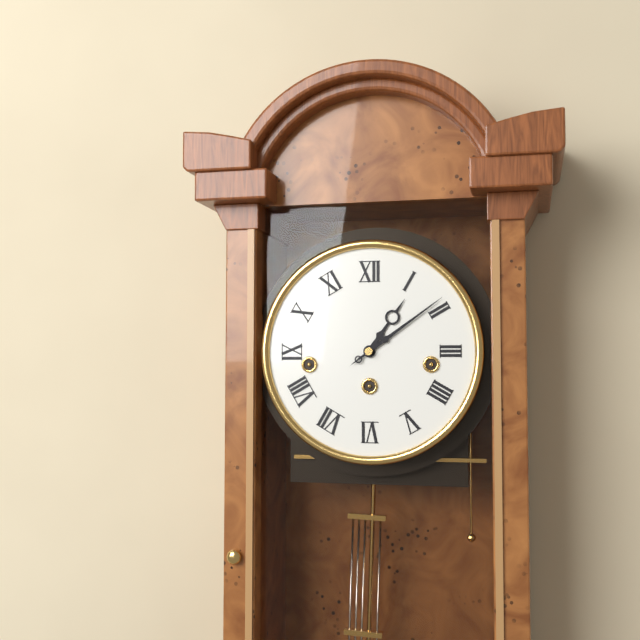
**1:09**
